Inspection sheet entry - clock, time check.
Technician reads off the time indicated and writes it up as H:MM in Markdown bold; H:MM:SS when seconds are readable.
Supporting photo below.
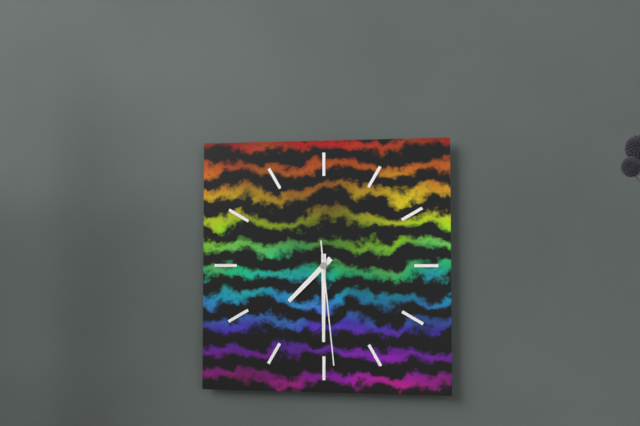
**7:30:29**
